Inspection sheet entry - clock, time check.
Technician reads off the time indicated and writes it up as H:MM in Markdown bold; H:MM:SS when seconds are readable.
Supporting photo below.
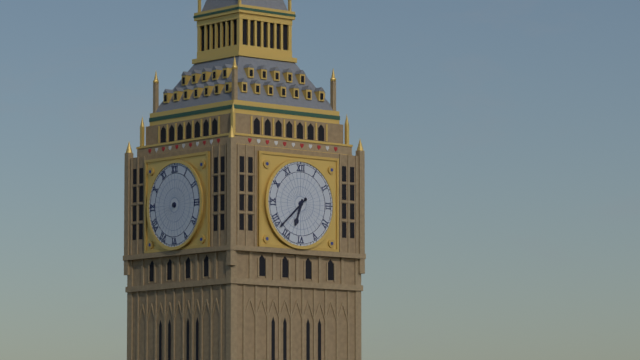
**6:38**
